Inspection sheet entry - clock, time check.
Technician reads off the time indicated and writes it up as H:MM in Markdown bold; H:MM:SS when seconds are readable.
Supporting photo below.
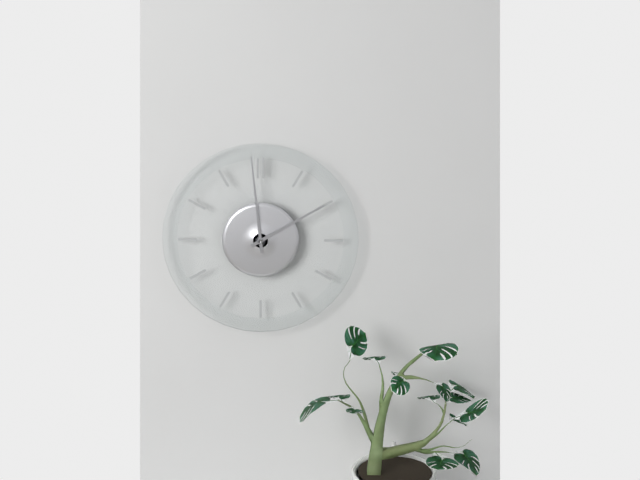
**1:59**
